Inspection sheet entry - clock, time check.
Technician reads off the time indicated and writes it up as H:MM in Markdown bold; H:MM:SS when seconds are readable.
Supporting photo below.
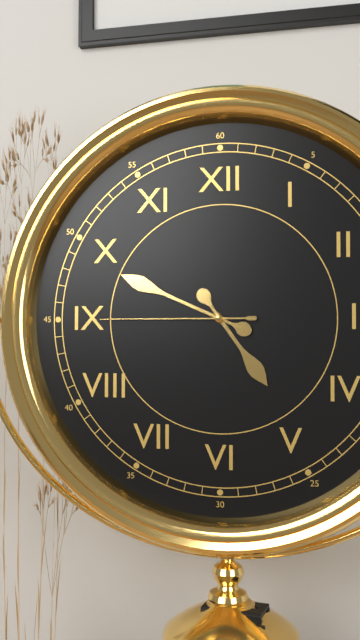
**4:49:45**
